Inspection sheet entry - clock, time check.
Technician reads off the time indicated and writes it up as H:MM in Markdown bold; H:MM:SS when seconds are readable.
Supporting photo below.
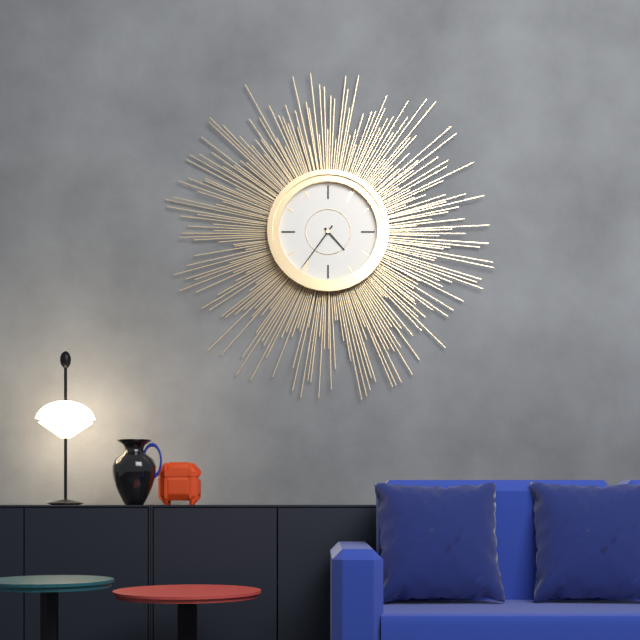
**4:36**
